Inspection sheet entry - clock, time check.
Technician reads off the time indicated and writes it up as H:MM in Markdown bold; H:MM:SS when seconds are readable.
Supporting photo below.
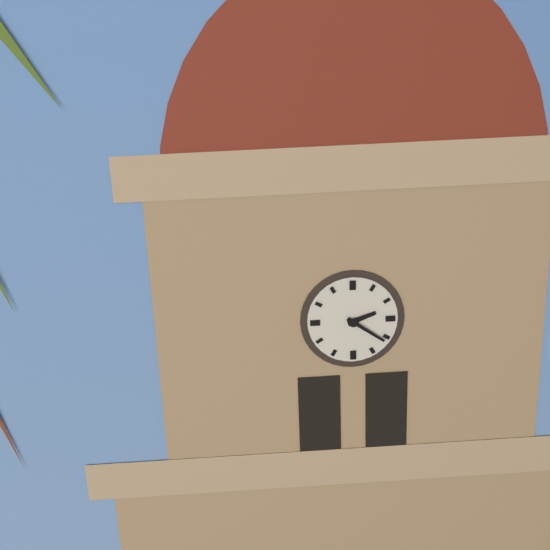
**2:21**
